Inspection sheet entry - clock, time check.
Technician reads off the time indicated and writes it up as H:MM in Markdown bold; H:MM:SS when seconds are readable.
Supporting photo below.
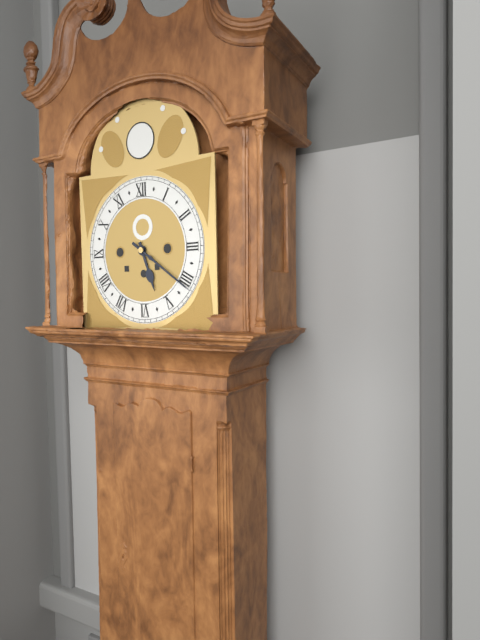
**5:21**
